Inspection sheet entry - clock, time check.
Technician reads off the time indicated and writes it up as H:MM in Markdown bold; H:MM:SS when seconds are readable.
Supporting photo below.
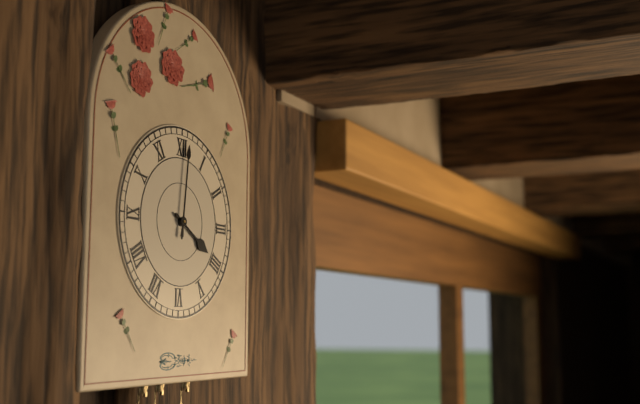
**4:01**
